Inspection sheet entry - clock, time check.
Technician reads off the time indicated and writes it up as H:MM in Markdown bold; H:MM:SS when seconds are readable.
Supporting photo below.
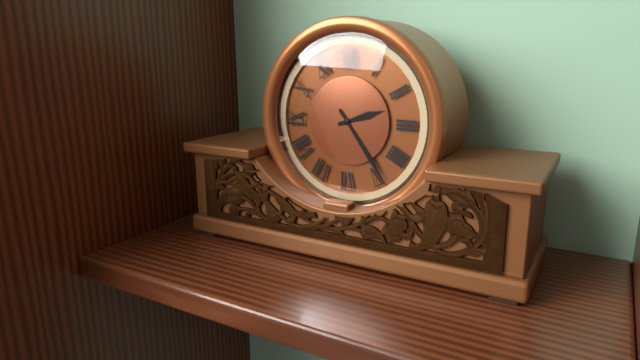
**2:24**
